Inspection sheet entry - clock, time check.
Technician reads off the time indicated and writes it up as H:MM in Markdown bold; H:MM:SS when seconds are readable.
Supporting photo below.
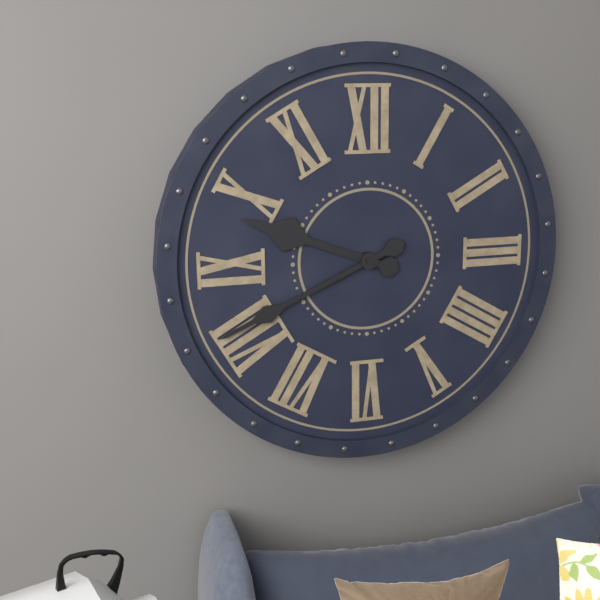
**9:41**
